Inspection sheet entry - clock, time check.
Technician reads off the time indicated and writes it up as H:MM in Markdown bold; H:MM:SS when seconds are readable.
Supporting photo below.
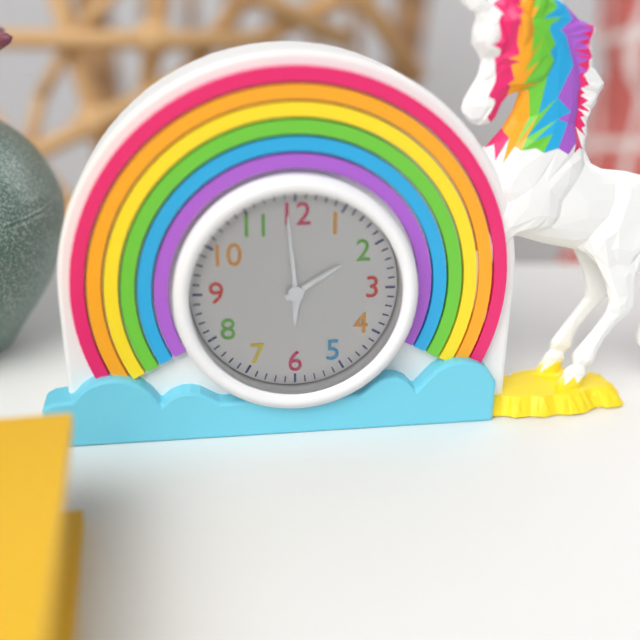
**1:59**
